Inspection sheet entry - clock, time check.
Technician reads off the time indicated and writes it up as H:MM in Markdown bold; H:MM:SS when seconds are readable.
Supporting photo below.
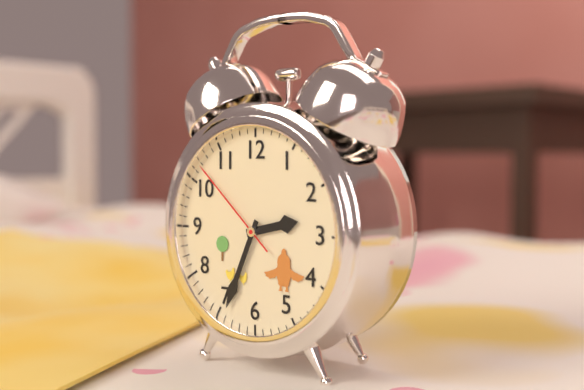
**2:34:52**
